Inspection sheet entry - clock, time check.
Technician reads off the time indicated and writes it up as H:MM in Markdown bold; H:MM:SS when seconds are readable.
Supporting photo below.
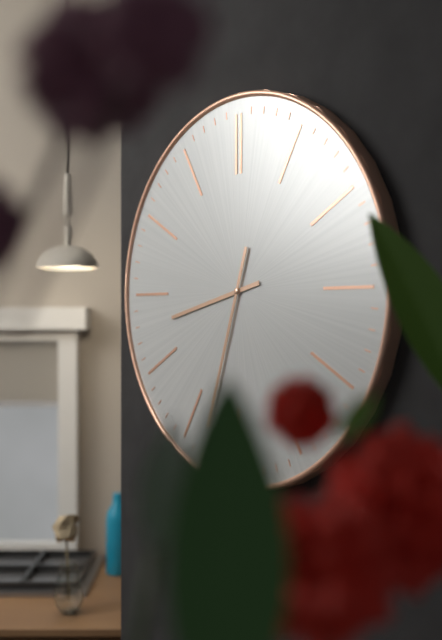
**8:33**
